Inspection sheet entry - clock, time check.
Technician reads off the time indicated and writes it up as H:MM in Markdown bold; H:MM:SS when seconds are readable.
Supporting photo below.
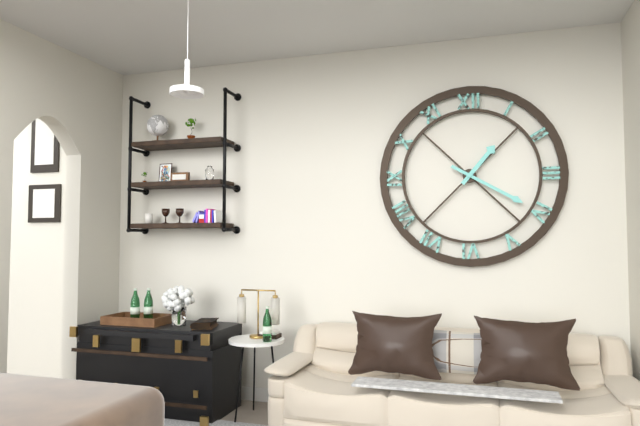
**1:20**
